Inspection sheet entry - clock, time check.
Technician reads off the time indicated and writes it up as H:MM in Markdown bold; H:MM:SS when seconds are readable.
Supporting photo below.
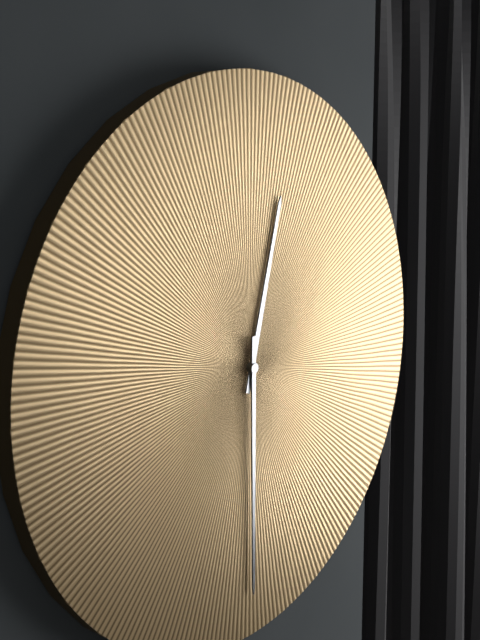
**12:30**
